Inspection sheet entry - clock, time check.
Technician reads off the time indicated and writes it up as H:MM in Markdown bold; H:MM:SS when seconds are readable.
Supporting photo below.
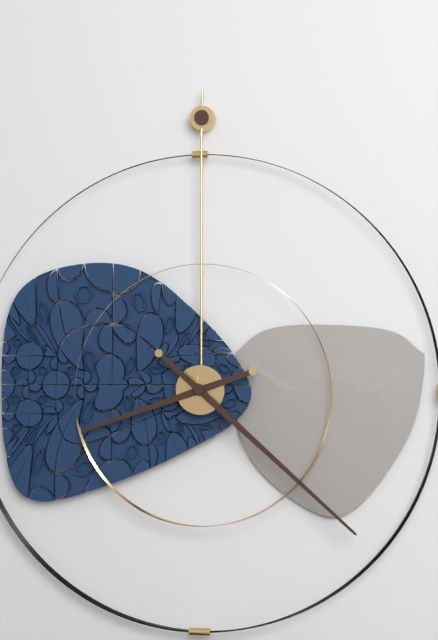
**8:22**
